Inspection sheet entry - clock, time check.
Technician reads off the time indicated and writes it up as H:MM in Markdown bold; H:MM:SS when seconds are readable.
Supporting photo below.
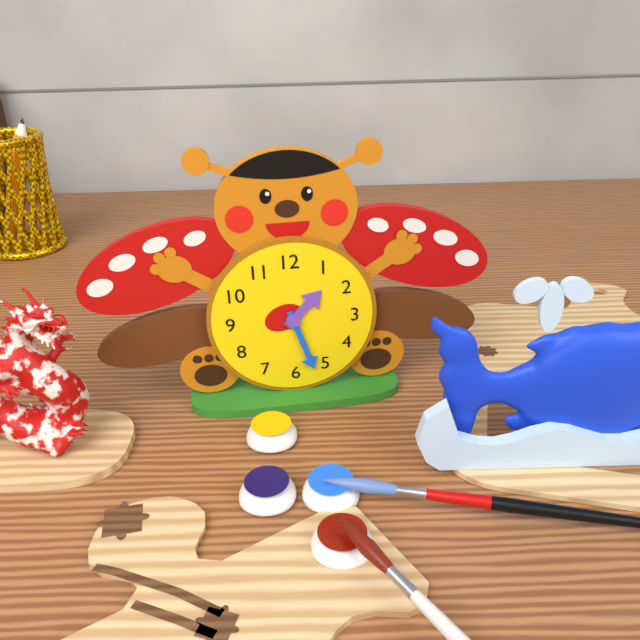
**1:27**
